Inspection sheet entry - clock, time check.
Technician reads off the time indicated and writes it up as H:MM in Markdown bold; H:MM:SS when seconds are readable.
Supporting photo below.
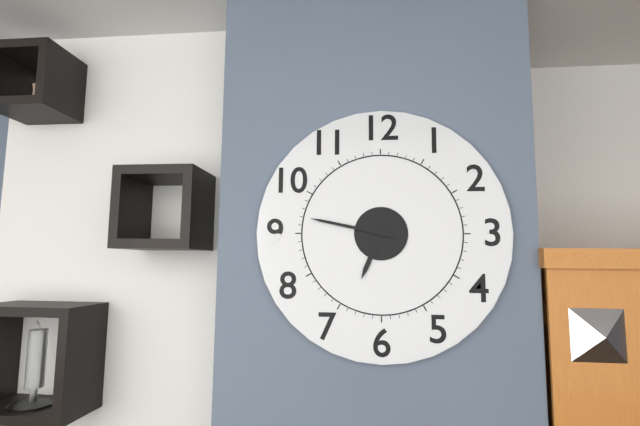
**6:47**
